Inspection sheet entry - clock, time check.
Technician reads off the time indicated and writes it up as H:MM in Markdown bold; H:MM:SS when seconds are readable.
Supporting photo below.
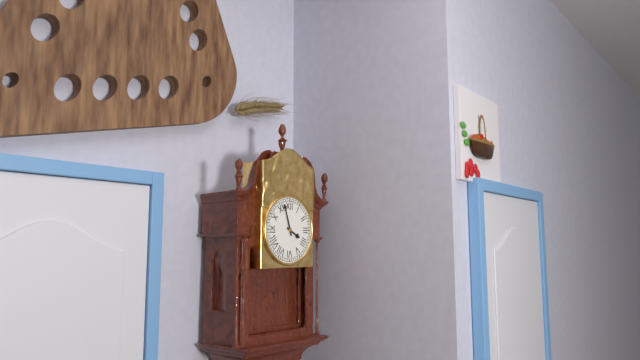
**3:57**
